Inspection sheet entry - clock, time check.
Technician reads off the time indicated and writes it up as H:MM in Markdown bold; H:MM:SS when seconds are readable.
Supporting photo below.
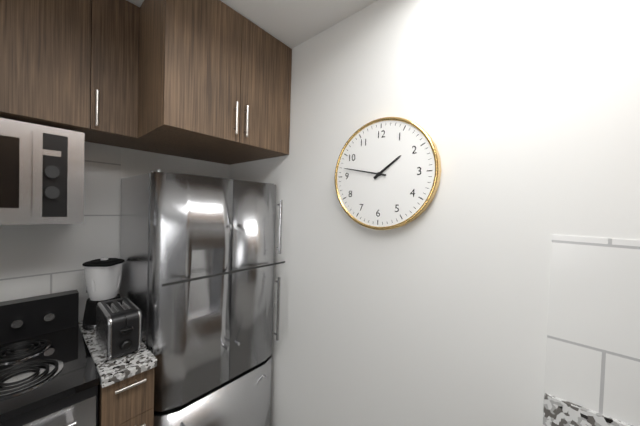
**1:47**
